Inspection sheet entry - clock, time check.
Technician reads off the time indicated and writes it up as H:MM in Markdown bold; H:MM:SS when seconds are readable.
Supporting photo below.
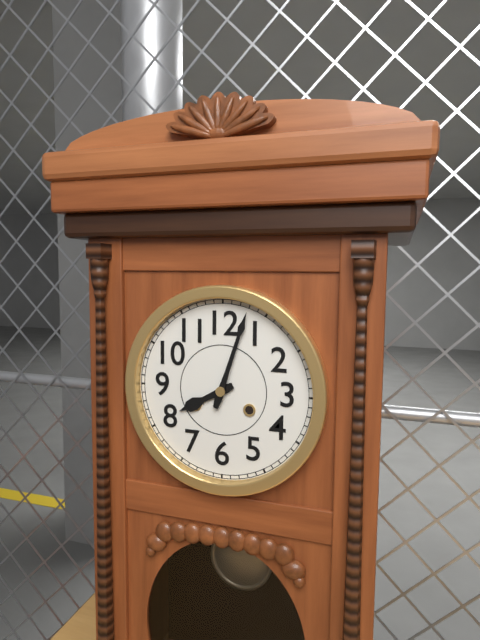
**8:03**
